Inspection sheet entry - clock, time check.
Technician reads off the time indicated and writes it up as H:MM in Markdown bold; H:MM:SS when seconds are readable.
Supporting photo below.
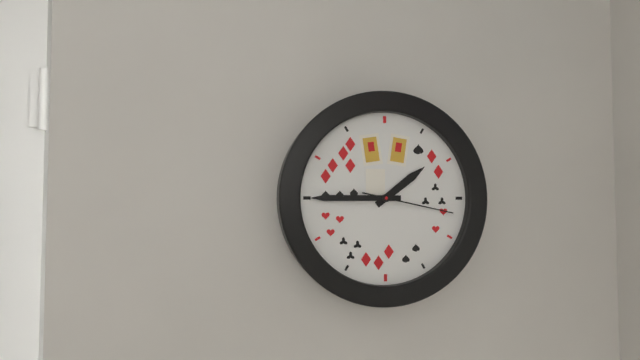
**1:45:17**
